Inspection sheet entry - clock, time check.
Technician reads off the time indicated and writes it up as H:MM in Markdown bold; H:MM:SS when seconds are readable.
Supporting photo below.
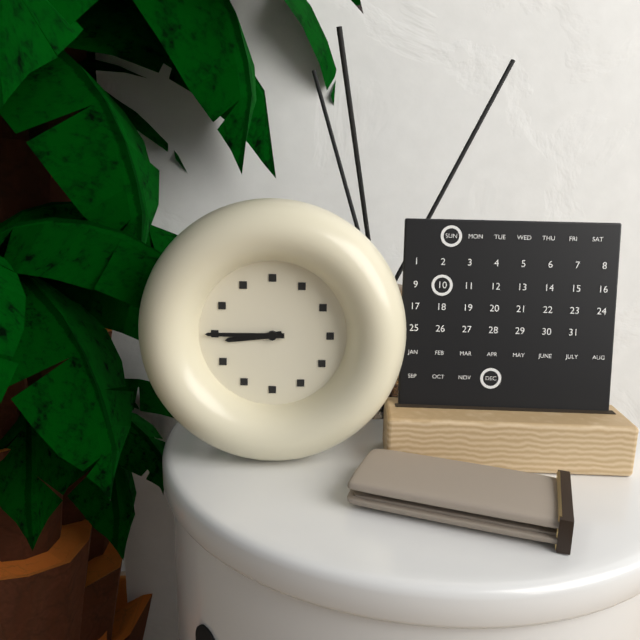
**8:45**
